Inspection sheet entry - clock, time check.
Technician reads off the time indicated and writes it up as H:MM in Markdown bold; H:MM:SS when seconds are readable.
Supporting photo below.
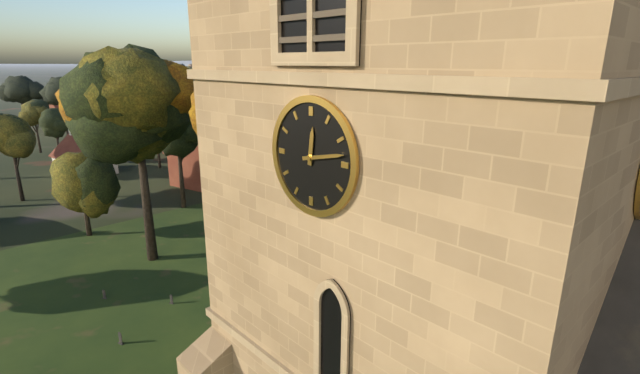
**12:13**
